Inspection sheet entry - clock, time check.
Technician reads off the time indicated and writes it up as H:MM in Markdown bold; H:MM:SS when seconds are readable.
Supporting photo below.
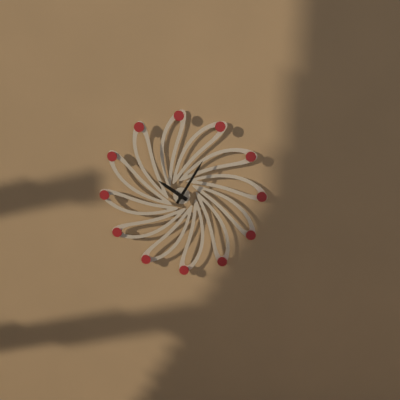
**10:05**
